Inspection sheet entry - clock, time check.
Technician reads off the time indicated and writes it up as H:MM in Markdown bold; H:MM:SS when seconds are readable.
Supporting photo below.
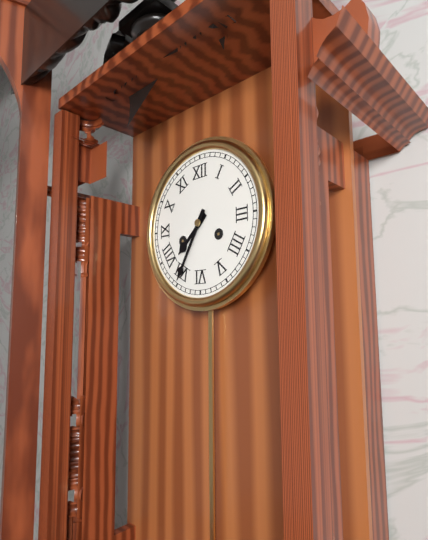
**7:35**
